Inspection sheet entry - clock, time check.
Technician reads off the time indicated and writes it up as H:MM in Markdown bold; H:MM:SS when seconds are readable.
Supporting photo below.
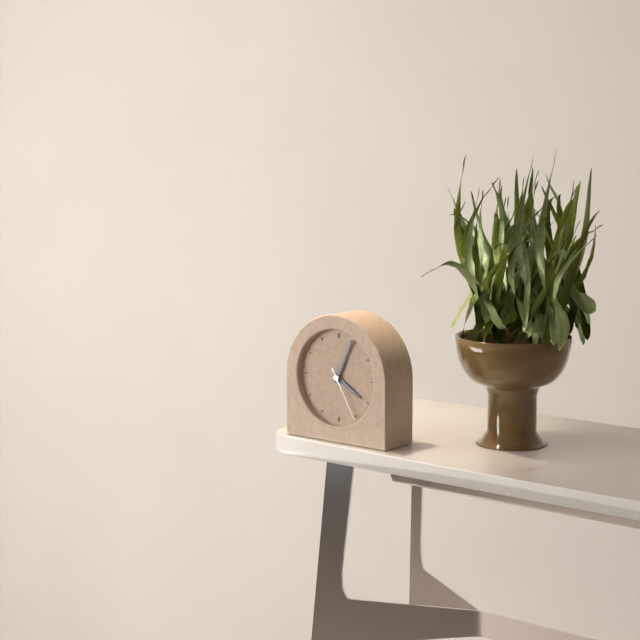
**4:04:25**
